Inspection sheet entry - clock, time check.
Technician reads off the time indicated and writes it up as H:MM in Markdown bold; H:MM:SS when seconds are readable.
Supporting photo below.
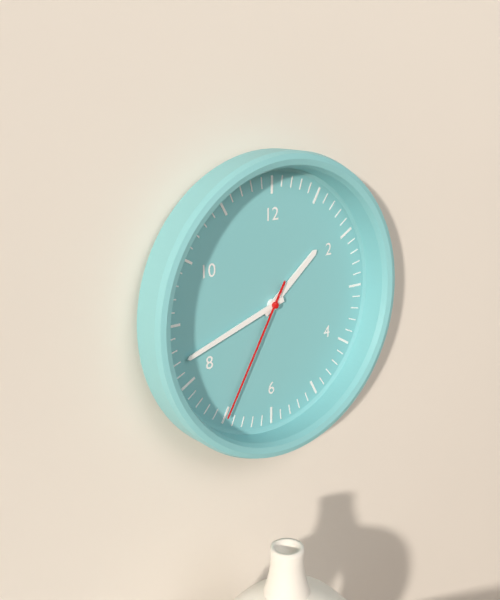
**1:42:35**
